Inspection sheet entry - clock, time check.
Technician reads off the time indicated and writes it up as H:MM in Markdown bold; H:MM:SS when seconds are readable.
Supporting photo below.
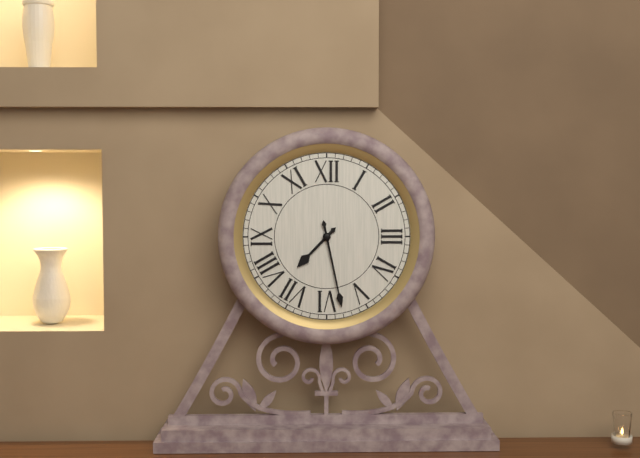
**7:28**
